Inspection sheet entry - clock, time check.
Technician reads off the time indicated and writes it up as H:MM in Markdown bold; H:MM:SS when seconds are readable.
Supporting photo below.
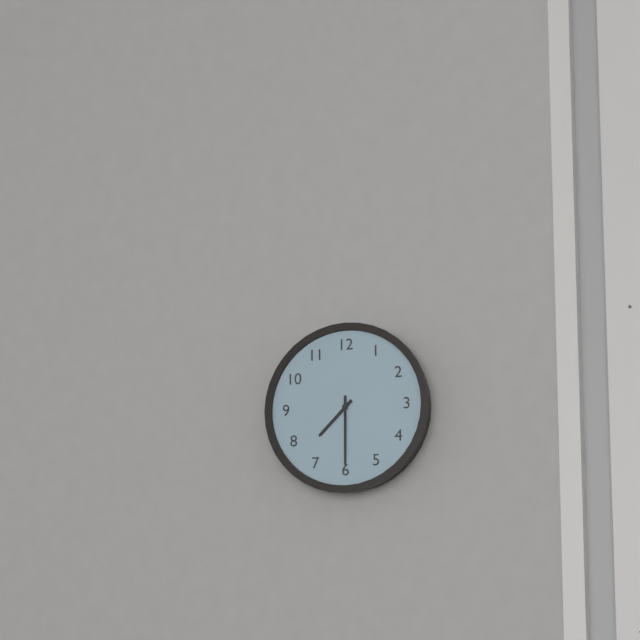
**7:30**
